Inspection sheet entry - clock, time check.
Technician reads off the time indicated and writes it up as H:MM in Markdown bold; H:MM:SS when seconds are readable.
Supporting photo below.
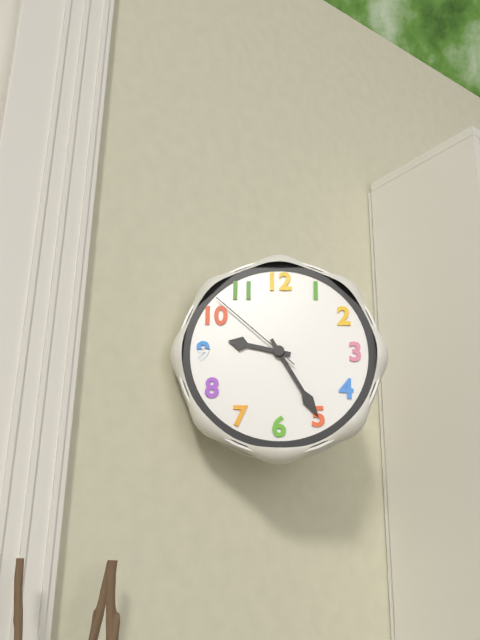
**9:25:52**
